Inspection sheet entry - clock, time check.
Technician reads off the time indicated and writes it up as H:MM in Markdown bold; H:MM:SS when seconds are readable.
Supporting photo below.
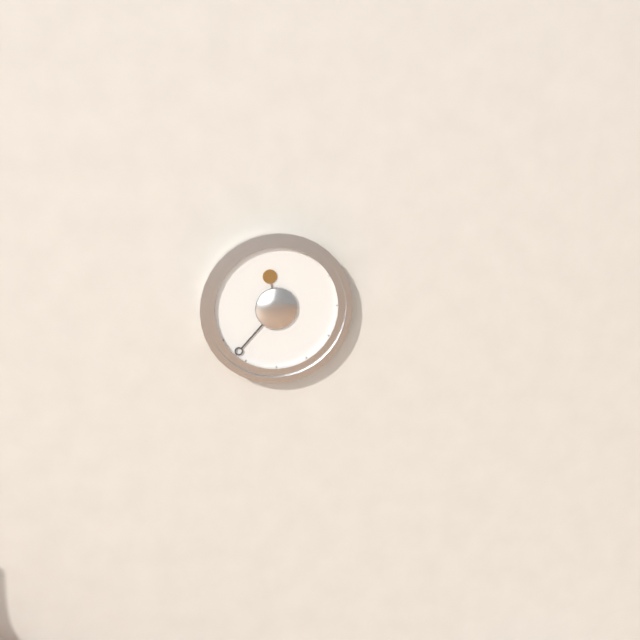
**11:37**
